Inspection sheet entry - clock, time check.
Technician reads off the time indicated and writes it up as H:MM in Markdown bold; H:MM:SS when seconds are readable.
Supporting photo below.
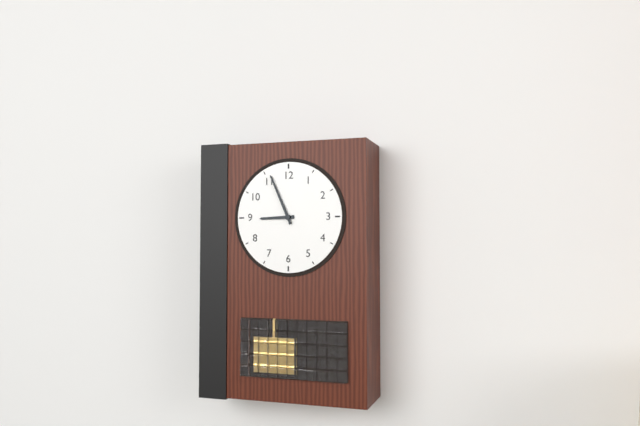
**8:56**
